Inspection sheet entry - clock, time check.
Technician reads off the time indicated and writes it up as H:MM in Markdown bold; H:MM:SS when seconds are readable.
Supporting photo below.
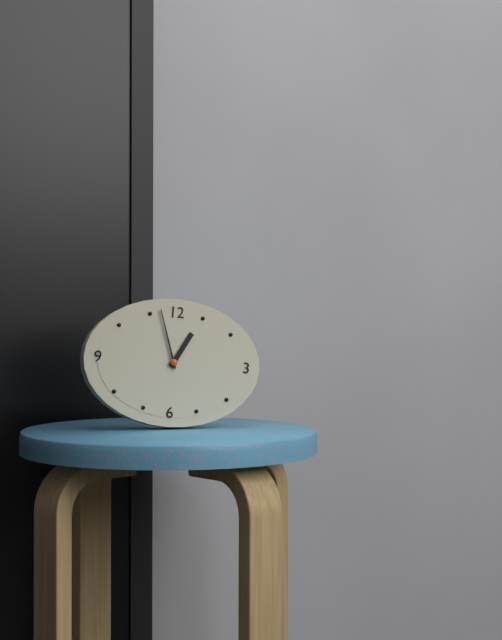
**12:57**
